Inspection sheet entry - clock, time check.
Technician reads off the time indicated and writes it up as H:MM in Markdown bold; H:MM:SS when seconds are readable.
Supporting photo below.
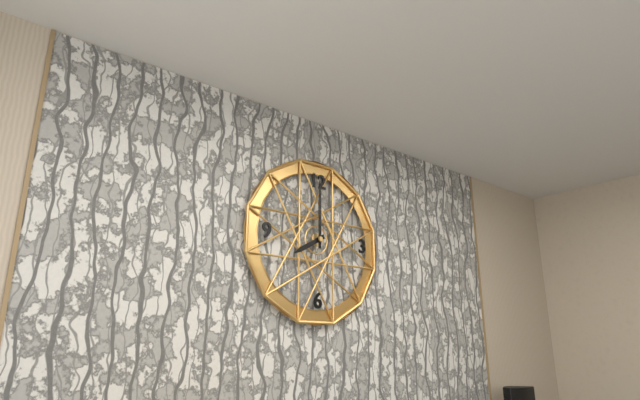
**8:00**
